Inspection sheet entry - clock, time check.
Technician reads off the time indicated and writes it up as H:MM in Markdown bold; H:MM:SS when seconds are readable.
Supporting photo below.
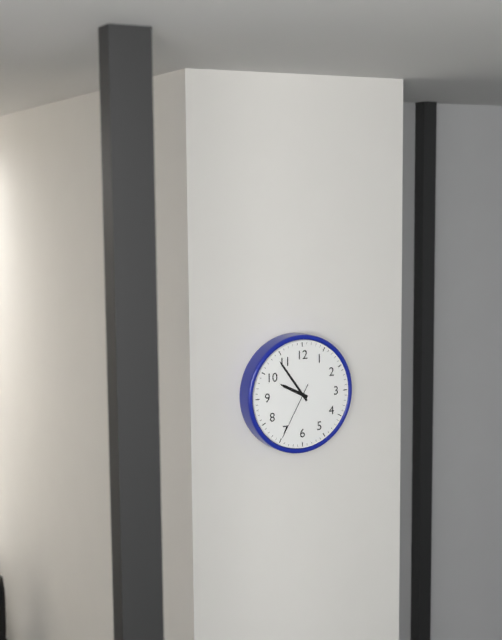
**9:54:35**
